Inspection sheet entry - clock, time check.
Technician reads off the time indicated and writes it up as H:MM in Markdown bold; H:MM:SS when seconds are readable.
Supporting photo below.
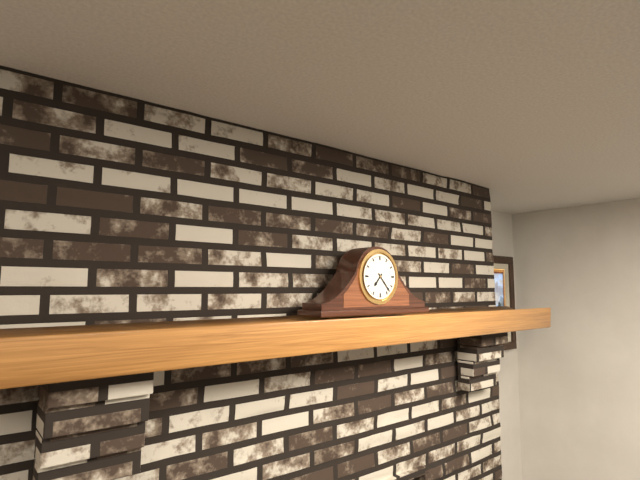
**7:23**
